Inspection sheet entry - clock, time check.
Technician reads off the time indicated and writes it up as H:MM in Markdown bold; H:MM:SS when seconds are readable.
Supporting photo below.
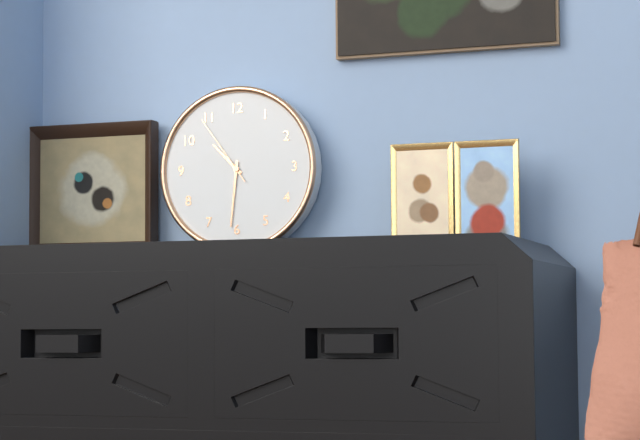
**10:31:54**
